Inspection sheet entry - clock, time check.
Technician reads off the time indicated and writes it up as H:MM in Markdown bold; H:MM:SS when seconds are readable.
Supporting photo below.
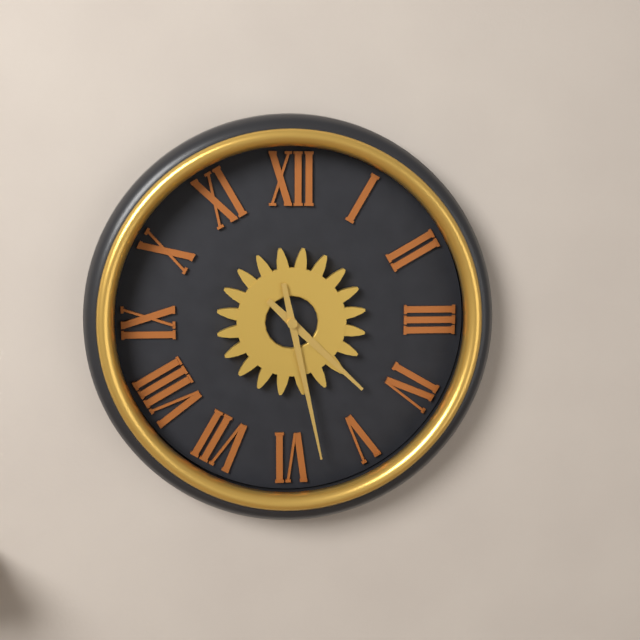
**4:28**
